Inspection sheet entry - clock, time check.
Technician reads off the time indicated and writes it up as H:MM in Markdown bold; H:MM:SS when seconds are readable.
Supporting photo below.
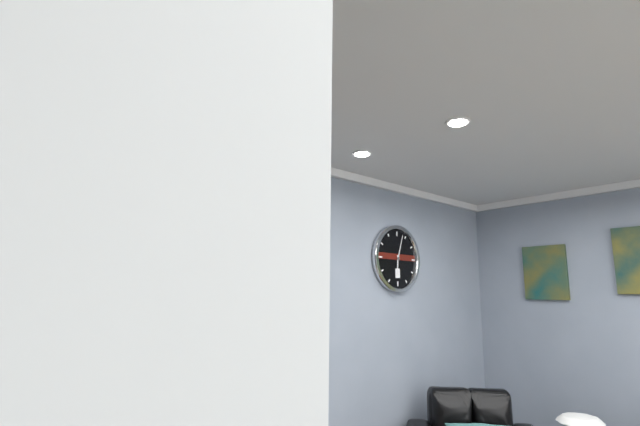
**6:03**
